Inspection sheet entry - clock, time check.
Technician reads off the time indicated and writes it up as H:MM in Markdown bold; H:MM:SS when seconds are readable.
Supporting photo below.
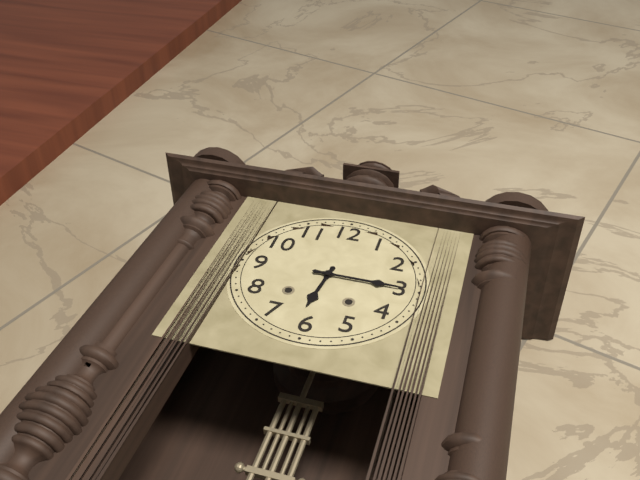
**6:15**
